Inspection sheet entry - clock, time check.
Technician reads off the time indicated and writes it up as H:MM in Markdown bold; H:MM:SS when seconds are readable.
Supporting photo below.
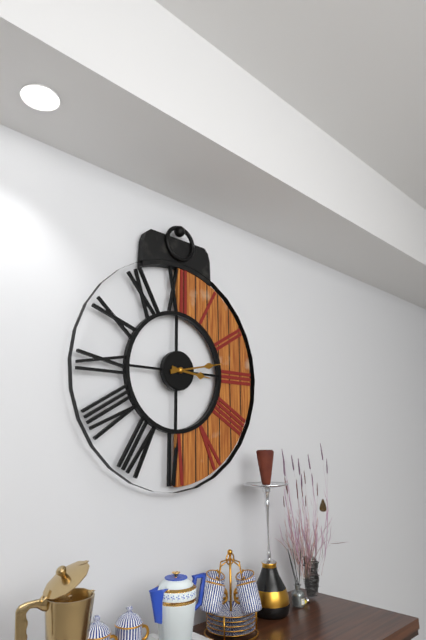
**3:13**
